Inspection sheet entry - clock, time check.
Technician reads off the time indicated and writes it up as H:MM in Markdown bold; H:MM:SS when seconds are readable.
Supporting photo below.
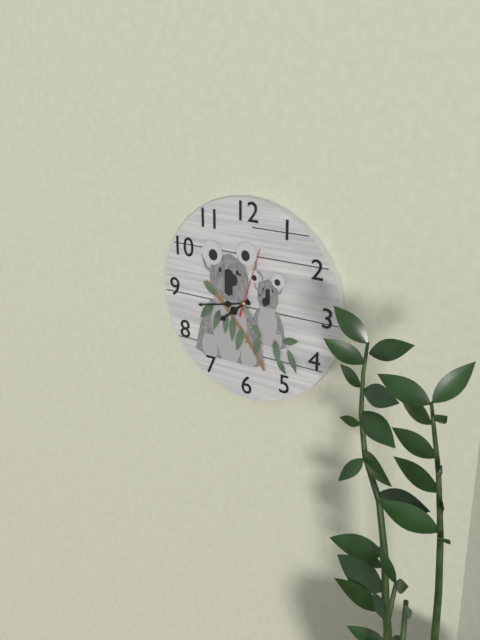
**7:43:03**
